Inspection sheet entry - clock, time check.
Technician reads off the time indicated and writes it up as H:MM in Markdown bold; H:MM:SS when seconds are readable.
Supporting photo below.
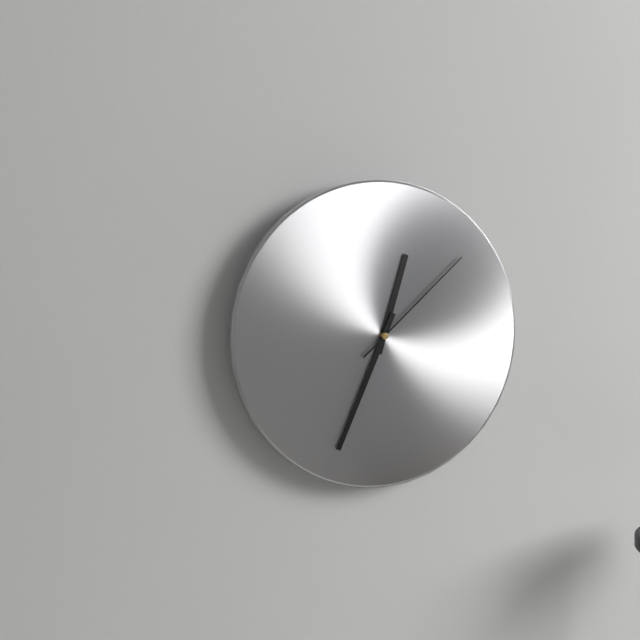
**12:34:08**
